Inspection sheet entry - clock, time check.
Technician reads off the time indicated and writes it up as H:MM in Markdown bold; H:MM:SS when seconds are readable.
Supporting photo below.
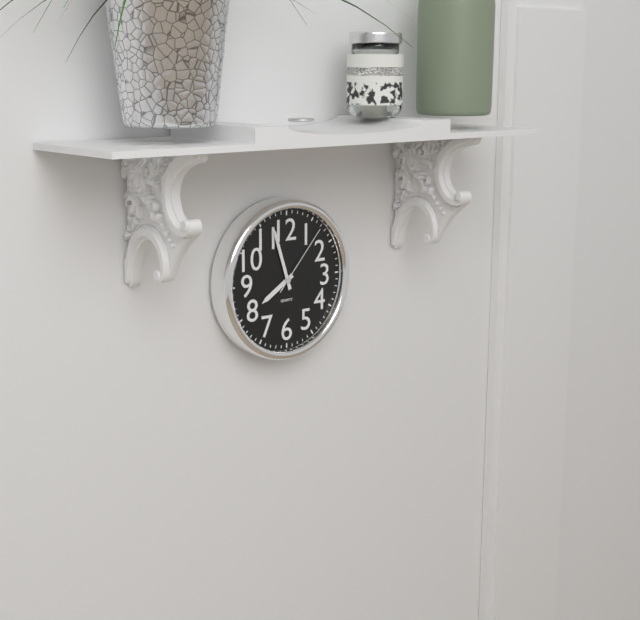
**7:57:07**
